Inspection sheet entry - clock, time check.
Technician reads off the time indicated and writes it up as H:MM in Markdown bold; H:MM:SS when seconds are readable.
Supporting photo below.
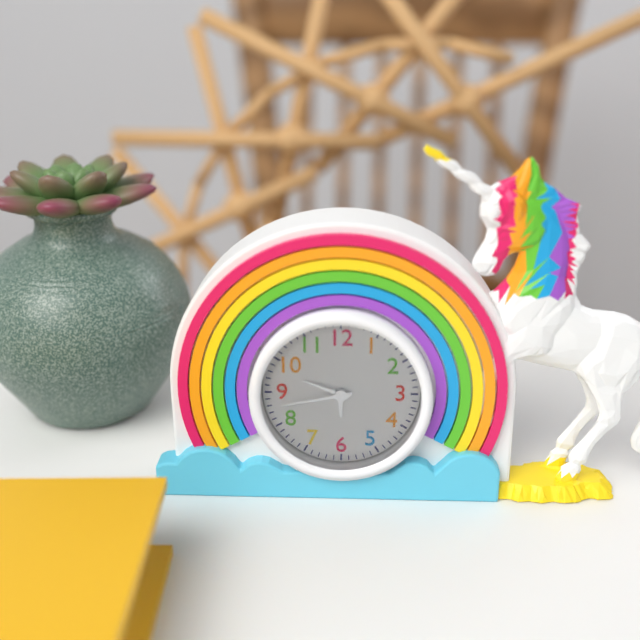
**9:43**
